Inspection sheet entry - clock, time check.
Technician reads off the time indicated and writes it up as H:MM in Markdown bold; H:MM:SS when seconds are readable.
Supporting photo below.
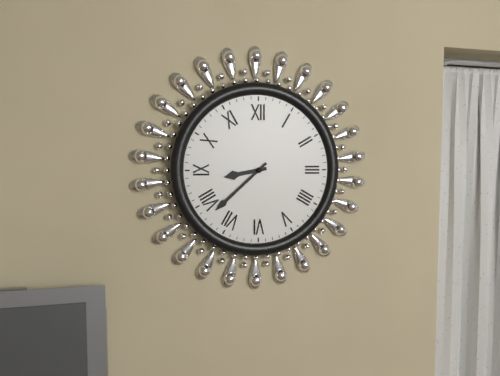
**8:38**
